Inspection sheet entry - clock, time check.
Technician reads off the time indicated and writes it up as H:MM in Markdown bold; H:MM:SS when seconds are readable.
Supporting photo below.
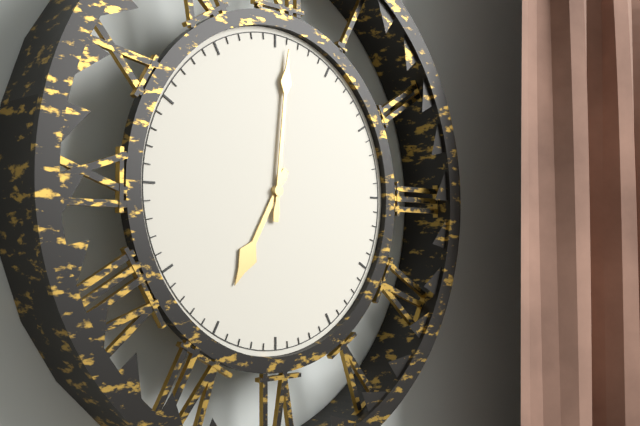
**7:01**
